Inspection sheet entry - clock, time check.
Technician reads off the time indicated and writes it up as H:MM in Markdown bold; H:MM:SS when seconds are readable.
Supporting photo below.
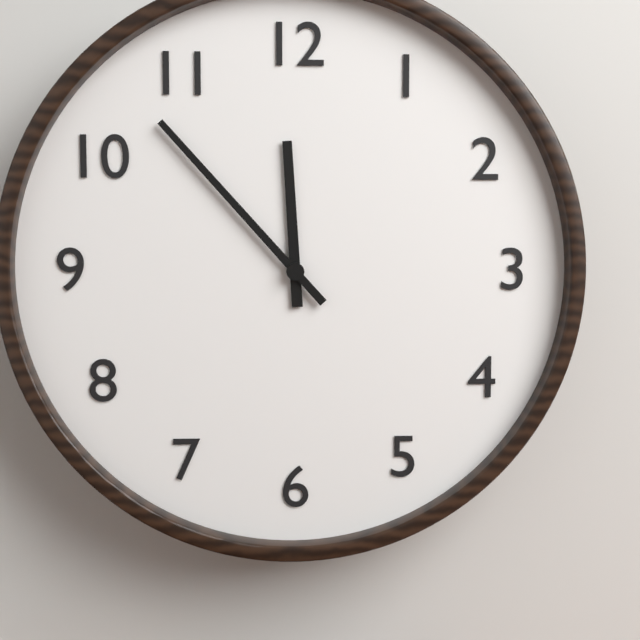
**11:53**
